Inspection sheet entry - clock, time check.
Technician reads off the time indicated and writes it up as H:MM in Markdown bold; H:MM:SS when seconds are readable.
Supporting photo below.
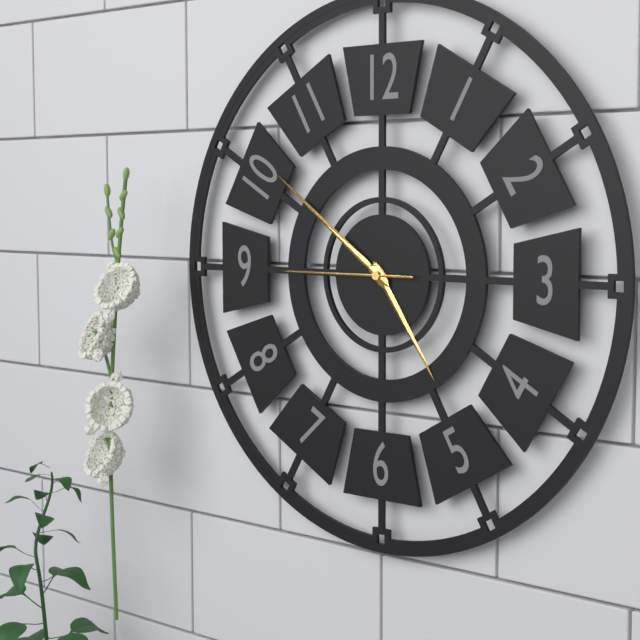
**4:51:45**
